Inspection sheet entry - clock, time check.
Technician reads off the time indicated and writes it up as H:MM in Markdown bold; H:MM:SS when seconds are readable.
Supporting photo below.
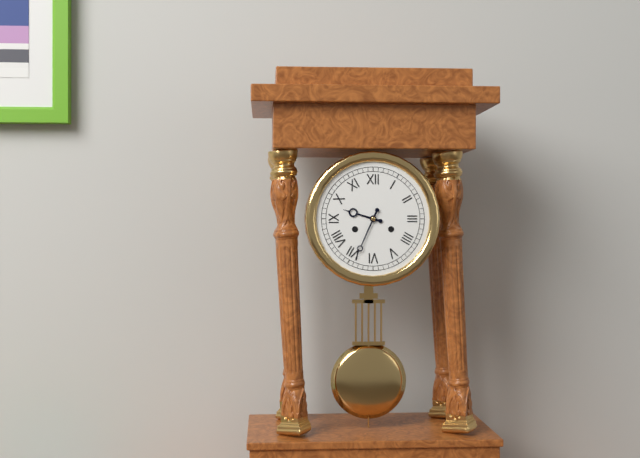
**9:34**
